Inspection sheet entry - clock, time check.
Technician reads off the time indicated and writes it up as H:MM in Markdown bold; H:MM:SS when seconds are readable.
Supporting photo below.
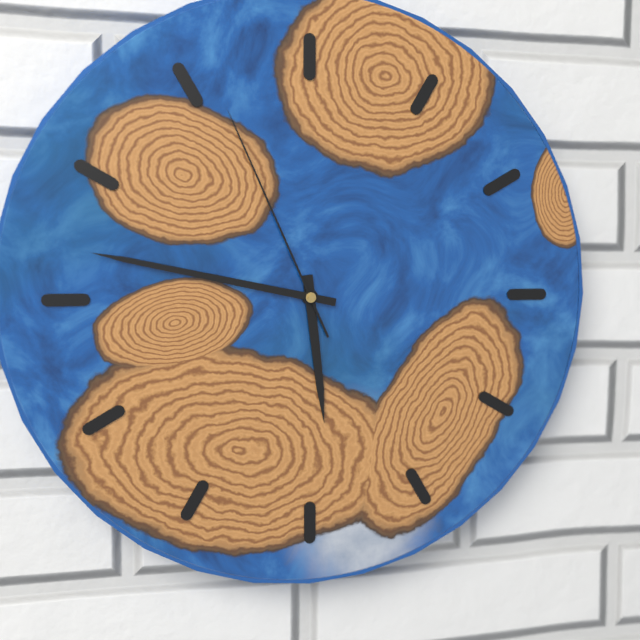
**5:47:56**
